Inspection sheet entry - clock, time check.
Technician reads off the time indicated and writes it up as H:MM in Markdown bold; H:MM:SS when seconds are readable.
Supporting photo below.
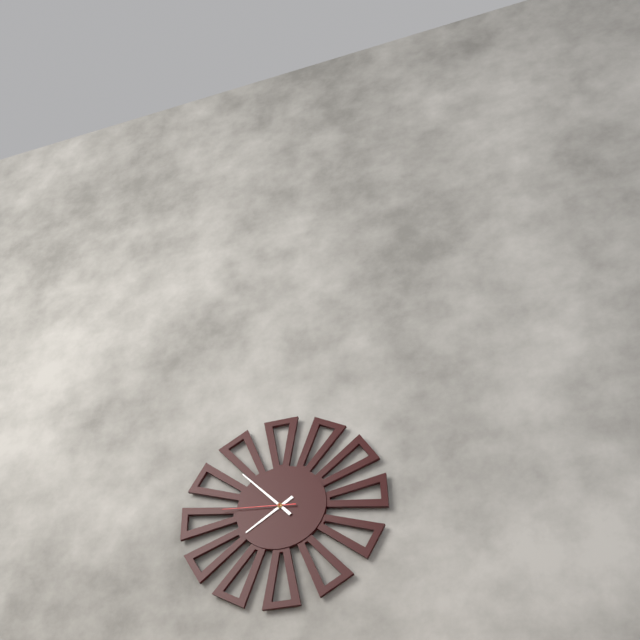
**7:53:46**
